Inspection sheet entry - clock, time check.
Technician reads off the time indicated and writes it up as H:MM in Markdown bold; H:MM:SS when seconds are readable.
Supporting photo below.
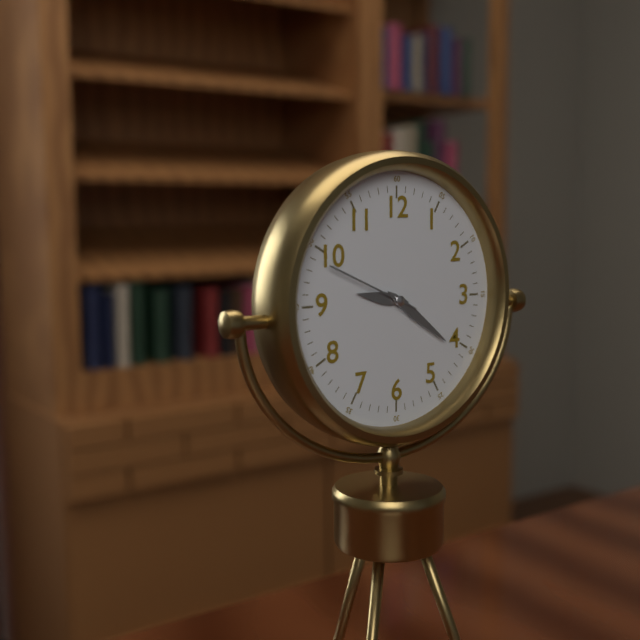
**9:21:49**
